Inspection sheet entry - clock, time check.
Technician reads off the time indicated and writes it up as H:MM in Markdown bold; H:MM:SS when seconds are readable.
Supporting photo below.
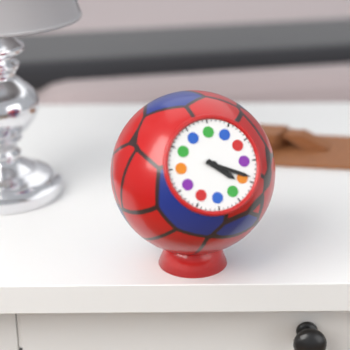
**4:19**
